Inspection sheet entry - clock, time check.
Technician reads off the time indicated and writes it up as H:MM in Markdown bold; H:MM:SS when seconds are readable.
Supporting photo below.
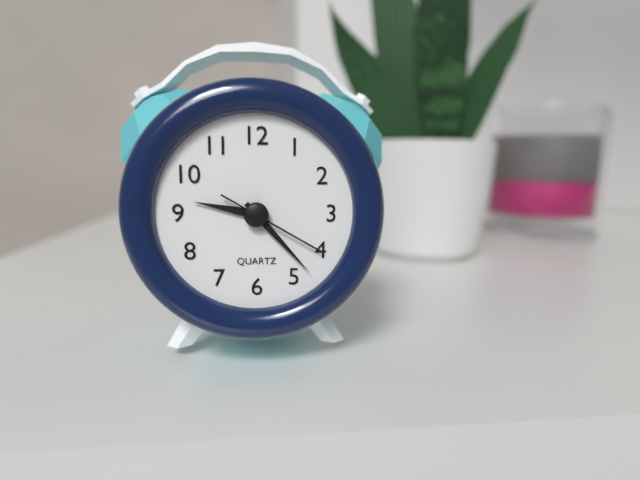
**9:23:20**
